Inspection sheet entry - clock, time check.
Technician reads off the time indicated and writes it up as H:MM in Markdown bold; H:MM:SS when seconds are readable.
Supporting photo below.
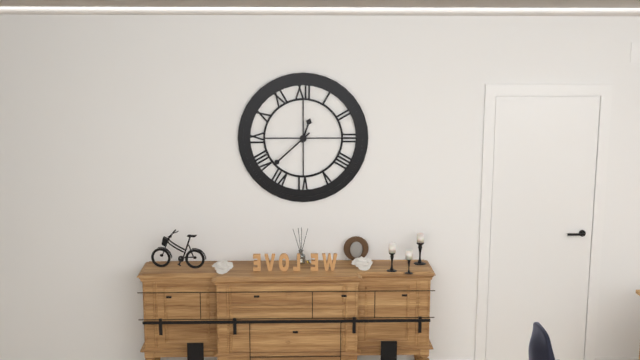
**12:38**
